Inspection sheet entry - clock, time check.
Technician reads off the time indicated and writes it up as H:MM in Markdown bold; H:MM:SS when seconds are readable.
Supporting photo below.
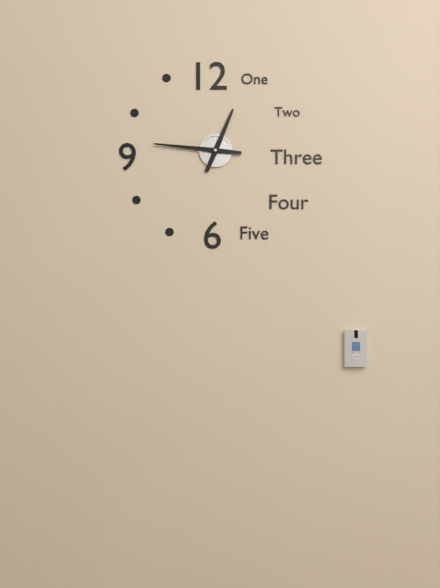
**12:46**
